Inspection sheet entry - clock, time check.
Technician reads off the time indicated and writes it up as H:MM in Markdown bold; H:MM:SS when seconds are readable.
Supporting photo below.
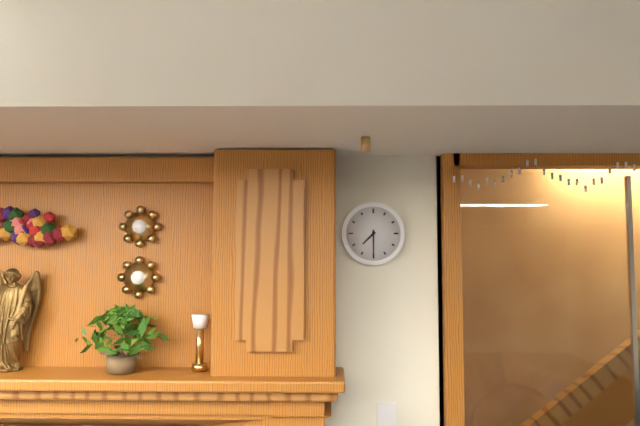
**7:30**
